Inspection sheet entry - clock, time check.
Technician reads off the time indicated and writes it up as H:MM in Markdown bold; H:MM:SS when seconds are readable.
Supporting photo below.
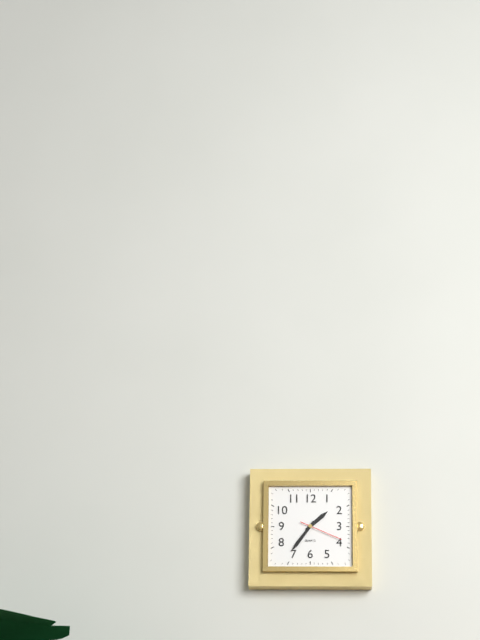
**1:36**
